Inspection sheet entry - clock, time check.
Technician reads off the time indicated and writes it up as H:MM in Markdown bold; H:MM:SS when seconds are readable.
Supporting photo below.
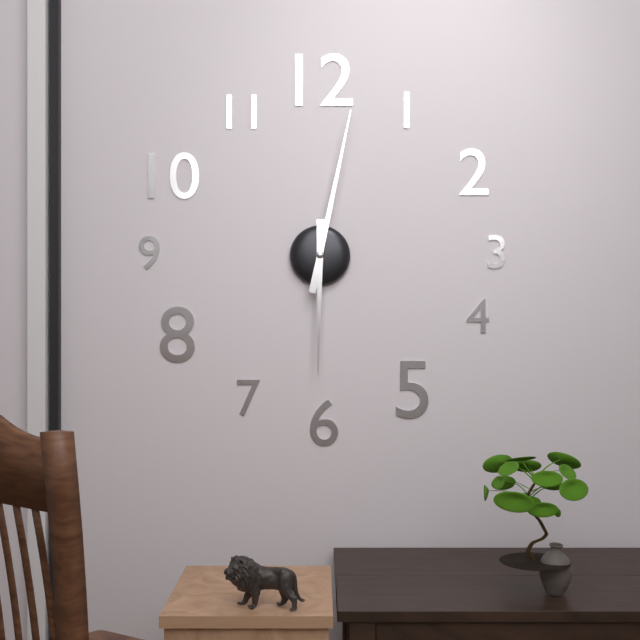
**6:02**
